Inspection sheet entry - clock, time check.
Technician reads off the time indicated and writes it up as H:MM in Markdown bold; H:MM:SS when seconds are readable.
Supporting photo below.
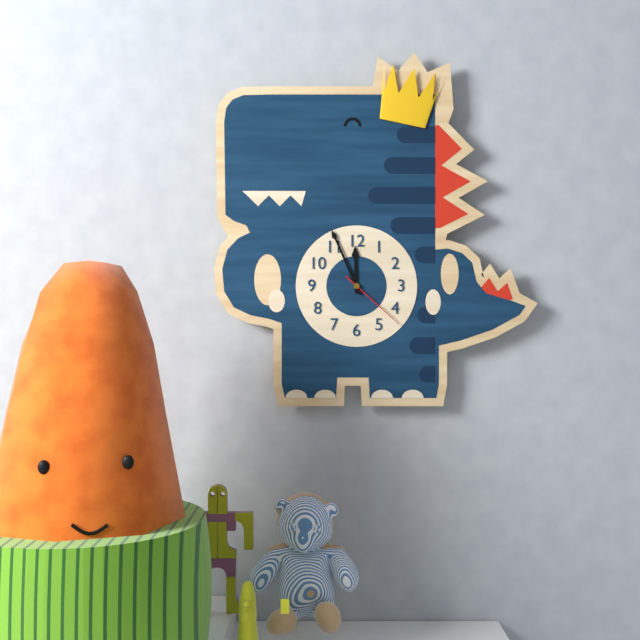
**11:56:22**
